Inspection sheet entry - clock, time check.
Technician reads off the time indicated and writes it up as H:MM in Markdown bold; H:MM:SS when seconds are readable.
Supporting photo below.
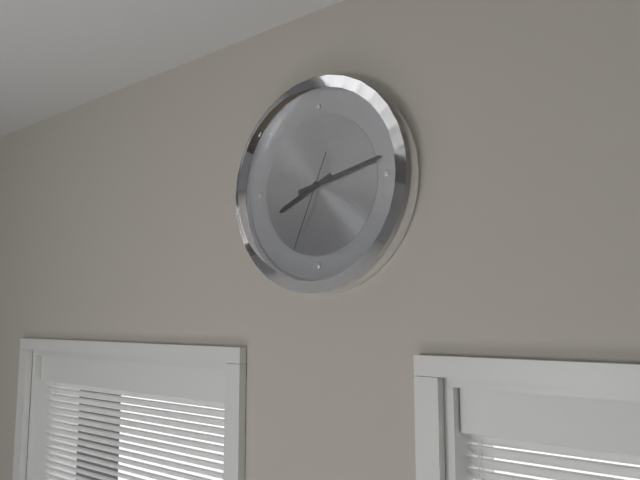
**8:13:34**
